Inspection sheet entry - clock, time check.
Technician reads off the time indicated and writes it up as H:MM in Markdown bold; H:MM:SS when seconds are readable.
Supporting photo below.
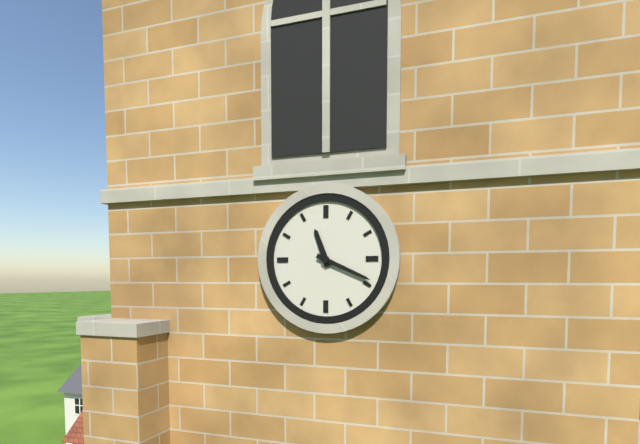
**11:19**
